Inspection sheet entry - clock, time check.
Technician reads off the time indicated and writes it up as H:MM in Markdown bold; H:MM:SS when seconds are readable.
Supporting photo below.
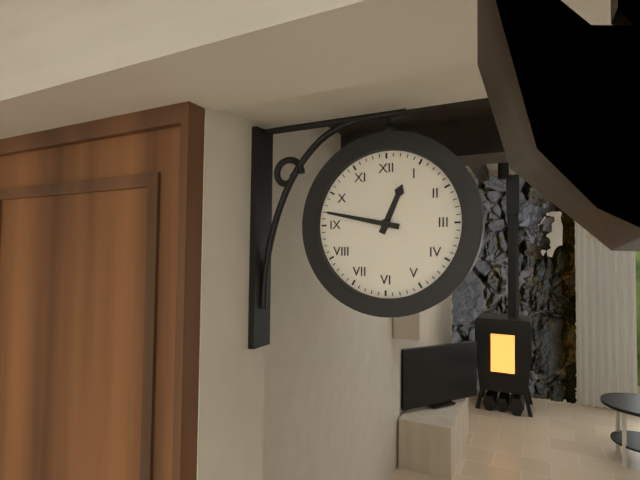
**12:47**
